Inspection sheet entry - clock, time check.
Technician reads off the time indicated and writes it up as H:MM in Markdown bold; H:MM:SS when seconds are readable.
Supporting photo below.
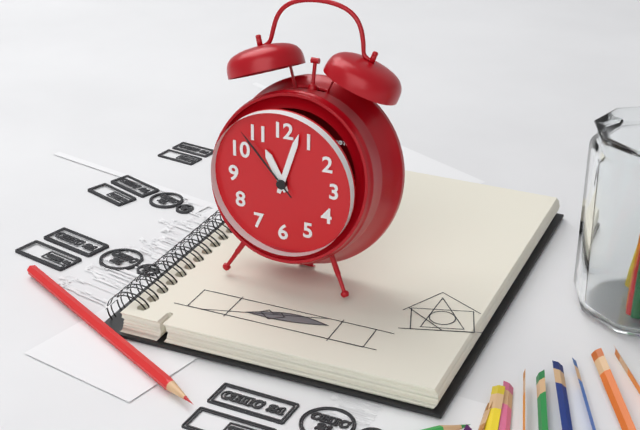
**11:03:53**
